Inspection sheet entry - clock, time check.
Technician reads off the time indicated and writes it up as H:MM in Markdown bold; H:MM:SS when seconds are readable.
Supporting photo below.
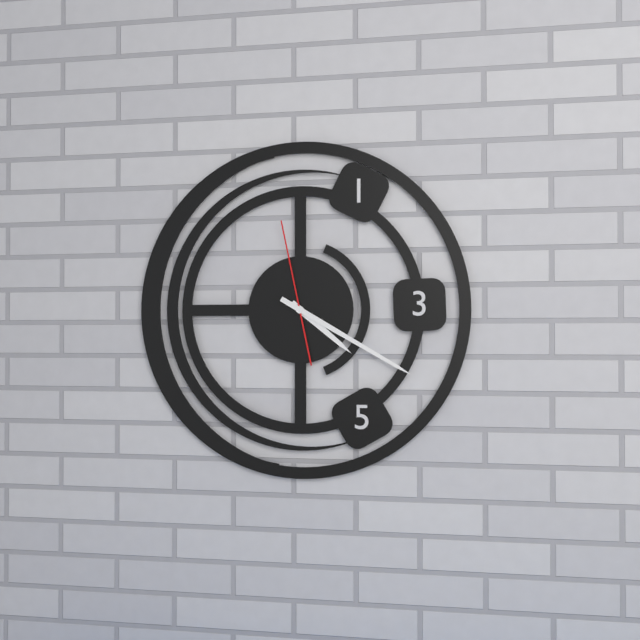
**4:20:58**
